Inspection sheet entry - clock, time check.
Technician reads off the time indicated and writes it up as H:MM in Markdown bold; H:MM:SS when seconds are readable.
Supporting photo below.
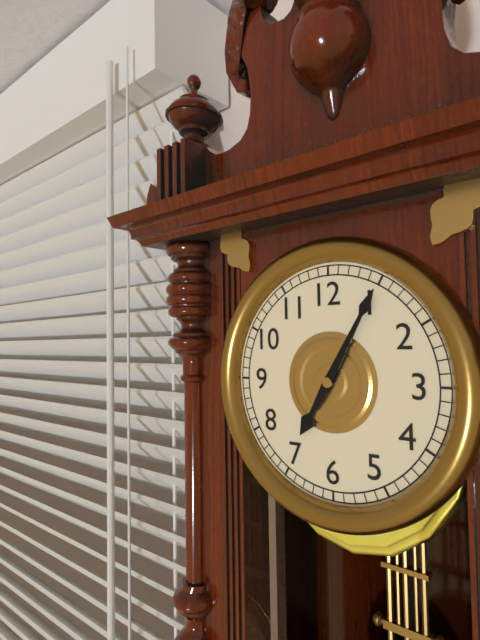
**7:05**
